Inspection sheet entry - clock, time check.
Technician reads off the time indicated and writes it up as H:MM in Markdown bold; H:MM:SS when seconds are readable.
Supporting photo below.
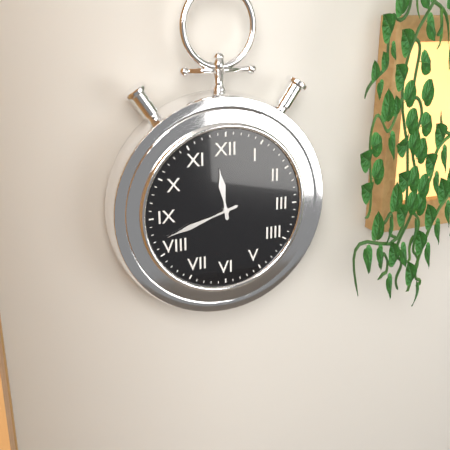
**11:42**
